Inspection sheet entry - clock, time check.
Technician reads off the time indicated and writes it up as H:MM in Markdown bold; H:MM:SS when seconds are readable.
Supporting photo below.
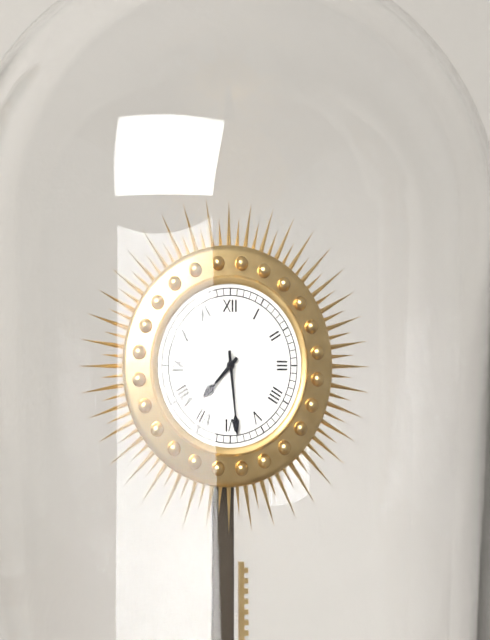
**7:29**
